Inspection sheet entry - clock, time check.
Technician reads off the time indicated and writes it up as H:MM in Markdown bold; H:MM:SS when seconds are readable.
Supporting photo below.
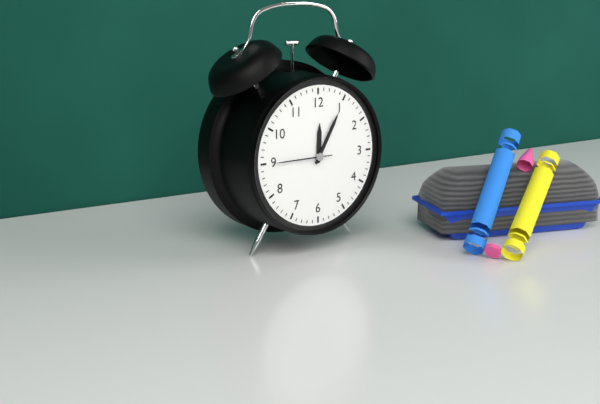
**12:05:45**
